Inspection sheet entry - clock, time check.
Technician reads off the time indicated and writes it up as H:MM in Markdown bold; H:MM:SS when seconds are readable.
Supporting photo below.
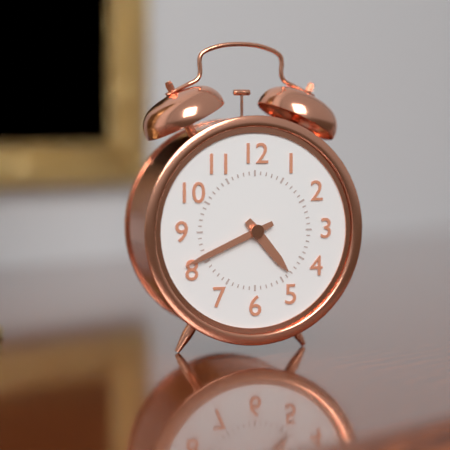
**4:41**
